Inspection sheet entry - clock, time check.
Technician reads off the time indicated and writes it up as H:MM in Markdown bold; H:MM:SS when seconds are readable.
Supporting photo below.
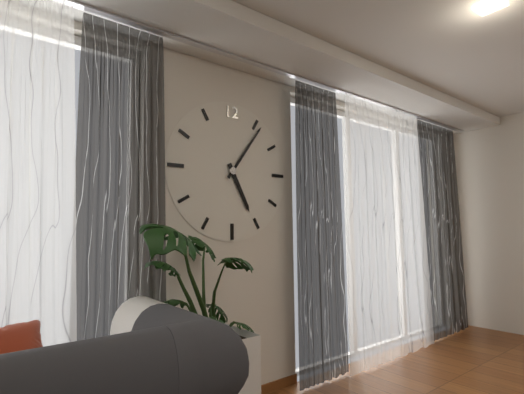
**5:06**
